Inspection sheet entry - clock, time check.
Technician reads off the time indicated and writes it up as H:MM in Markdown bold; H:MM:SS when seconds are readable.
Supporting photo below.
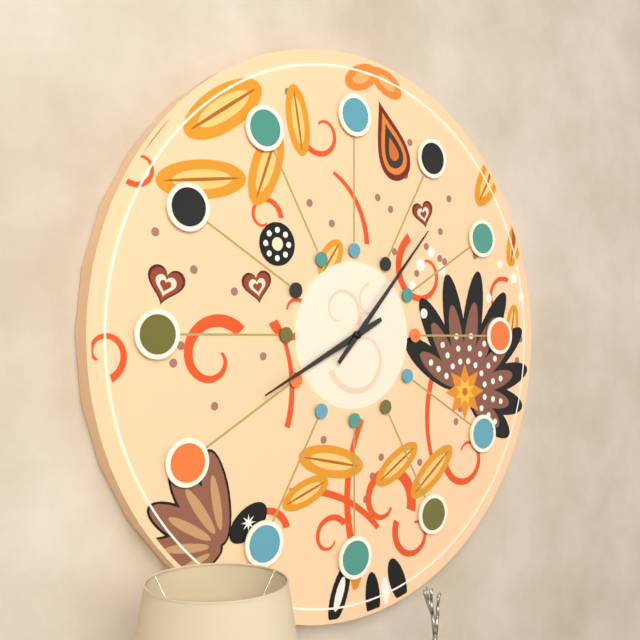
**8:07**
